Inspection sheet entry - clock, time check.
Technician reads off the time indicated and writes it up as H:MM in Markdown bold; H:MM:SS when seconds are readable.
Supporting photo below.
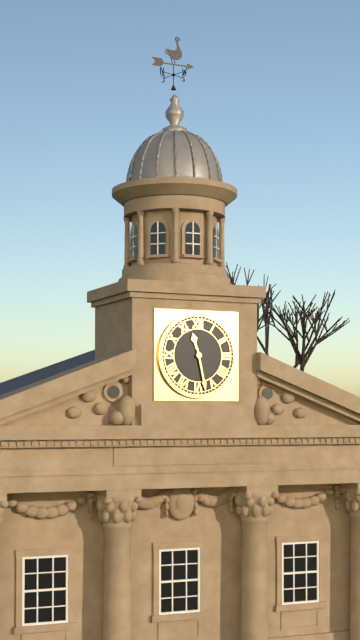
**11:28**
